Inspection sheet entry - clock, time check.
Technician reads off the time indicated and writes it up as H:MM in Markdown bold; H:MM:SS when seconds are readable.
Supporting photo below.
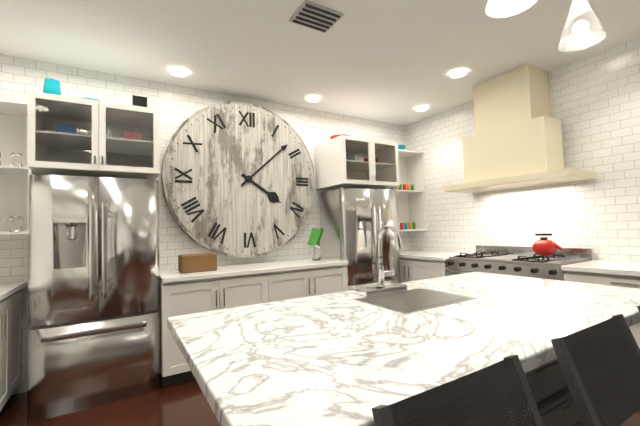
**4:08**
